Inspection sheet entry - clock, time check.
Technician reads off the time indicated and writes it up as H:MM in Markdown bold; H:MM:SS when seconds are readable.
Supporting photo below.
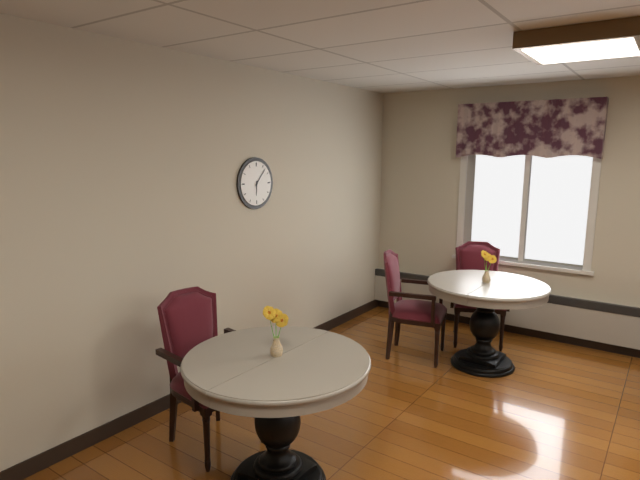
**6:07**
